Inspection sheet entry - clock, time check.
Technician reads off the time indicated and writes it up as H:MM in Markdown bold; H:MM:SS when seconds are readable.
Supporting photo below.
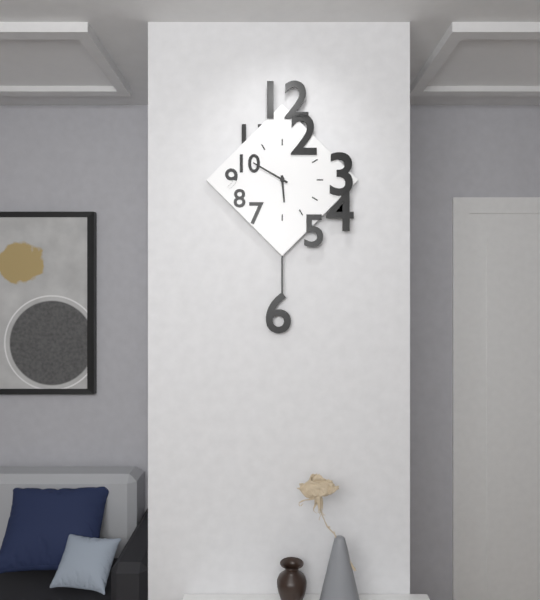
**5:50**
